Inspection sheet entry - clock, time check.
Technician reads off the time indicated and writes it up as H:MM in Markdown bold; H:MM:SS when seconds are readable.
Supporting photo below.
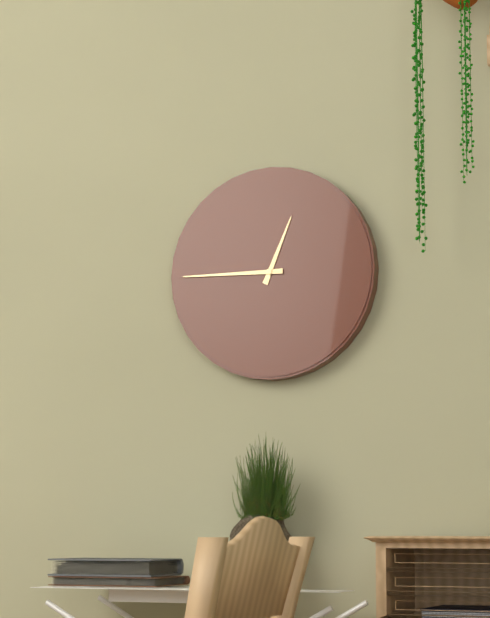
**12:45**
